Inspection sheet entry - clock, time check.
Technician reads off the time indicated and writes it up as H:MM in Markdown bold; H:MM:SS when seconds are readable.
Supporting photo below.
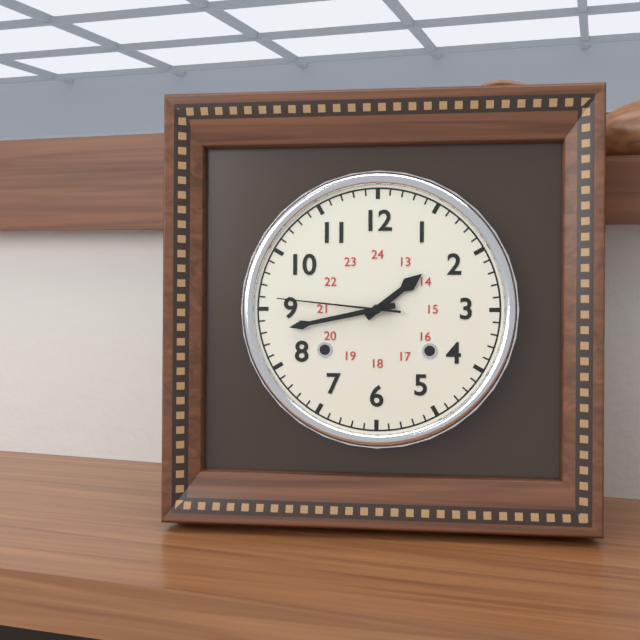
**1:43:46**
